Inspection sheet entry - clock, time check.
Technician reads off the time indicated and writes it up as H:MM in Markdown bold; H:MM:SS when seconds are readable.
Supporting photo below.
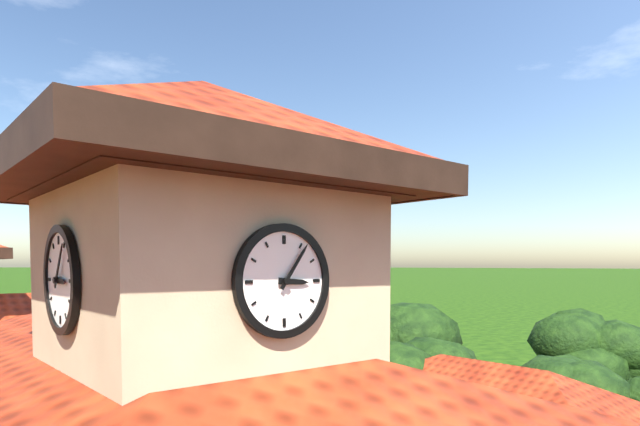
**3:06**
